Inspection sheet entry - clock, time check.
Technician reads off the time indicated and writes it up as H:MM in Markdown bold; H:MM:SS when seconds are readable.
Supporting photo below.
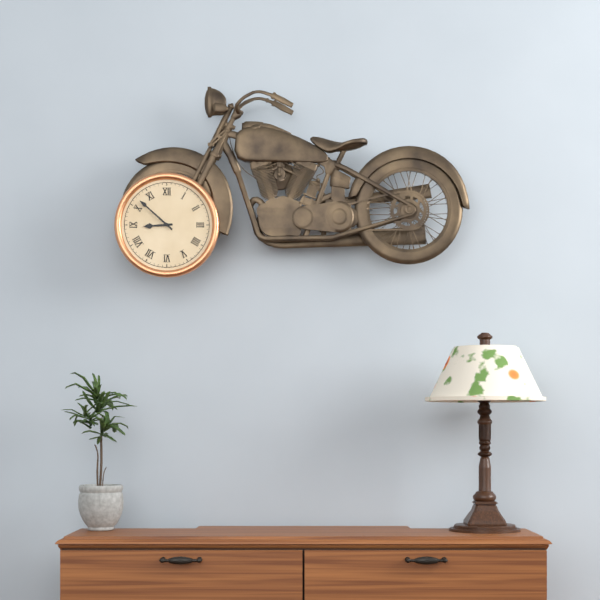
**8:52**
